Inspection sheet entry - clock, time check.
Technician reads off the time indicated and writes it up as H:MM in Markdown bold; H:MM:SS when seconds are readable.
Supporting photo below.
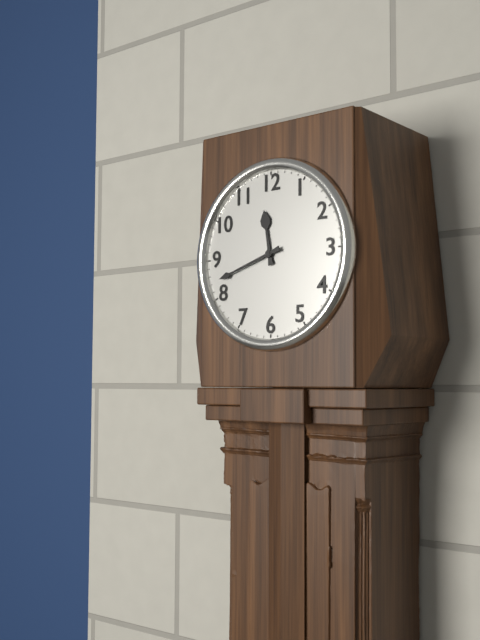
**11:42**
